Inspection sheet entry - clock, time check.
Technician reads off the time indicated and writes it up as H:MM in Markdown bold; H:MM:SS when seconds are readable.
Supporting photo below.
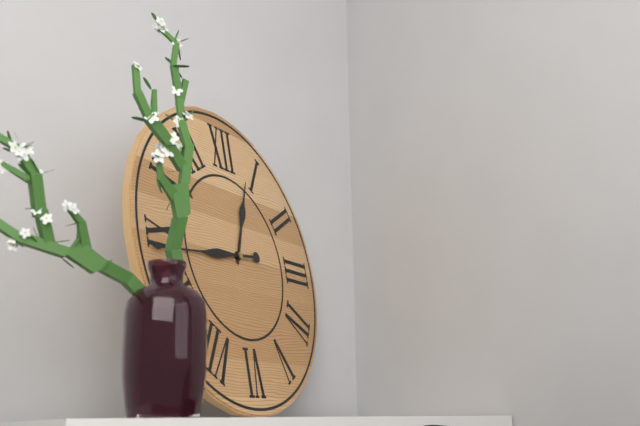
**12:44**
